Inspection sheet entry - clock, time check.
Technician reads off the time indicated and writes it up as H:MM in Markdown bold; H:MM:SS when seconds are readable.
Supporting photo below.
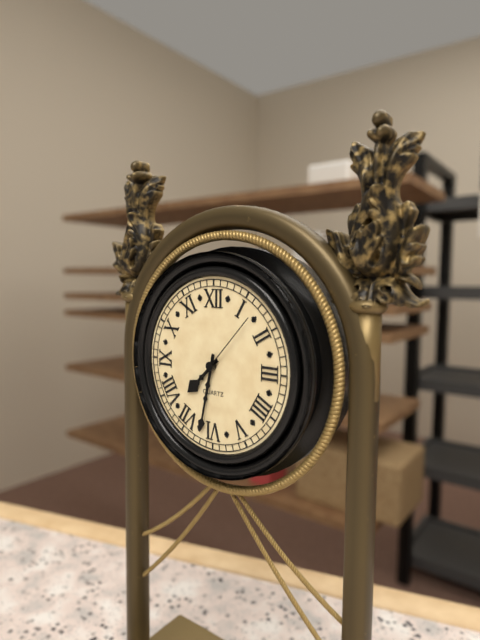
**7:32:07**
